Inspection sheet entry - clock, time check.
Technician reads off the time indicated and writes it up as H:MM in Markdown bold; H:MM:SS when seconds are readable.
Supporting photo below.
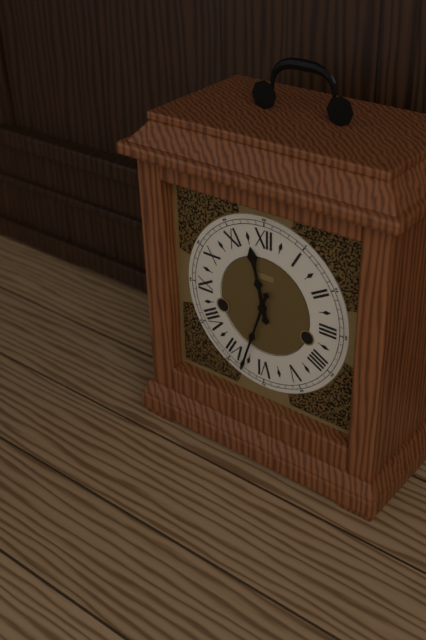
**11:33**
